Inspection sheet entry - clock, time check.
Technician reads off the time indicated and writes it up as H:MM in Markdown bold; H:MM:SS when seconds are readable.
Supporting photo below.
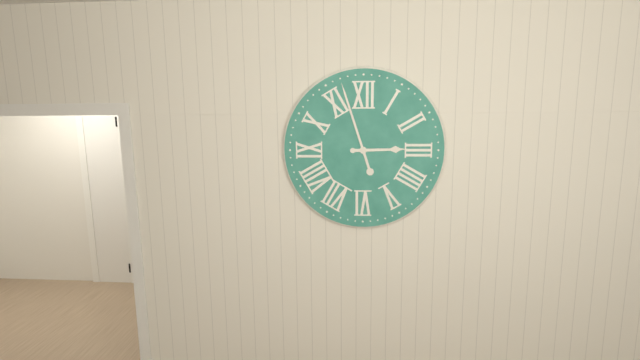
**2:57**
